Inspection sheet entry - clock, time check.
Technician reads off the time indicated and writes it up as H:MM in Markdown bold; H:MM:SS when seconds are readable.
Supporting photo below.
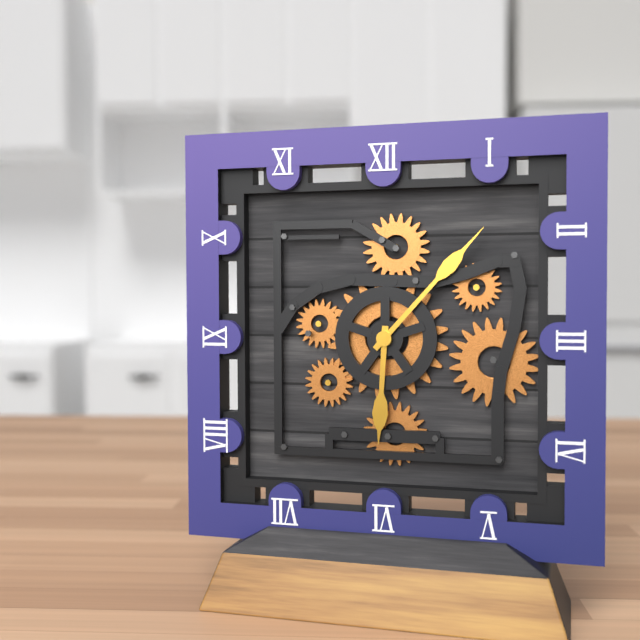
**6:07**
